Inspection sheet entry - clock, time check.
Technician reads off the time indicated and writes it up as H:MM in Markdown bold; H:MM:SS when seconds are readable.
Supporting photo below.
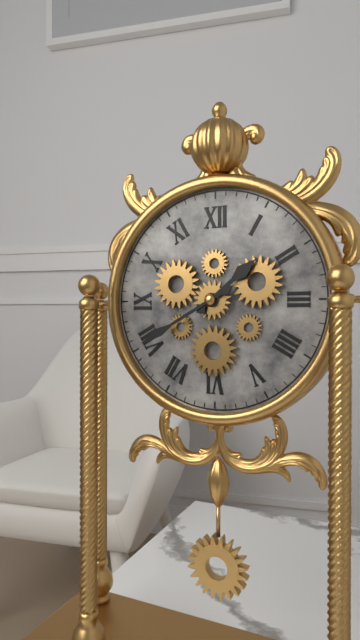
**1:40**
